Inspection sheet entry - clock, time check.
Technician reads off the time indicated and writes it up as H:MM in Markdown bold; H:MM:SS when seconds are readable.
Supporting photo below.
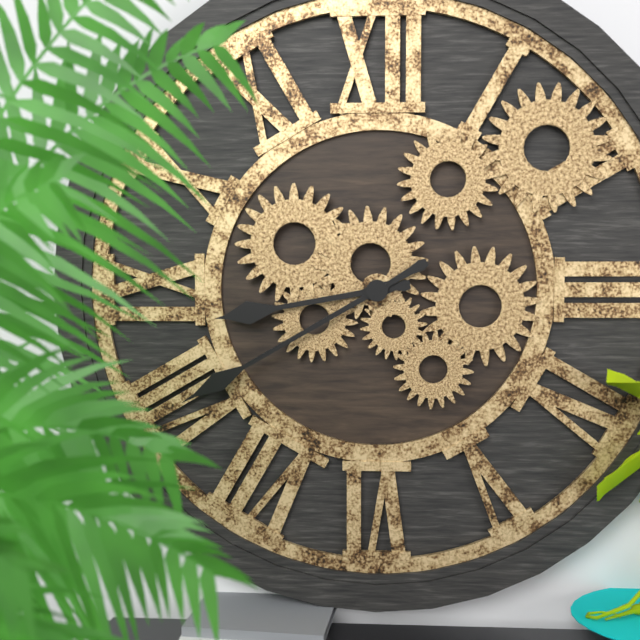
**8:40**
